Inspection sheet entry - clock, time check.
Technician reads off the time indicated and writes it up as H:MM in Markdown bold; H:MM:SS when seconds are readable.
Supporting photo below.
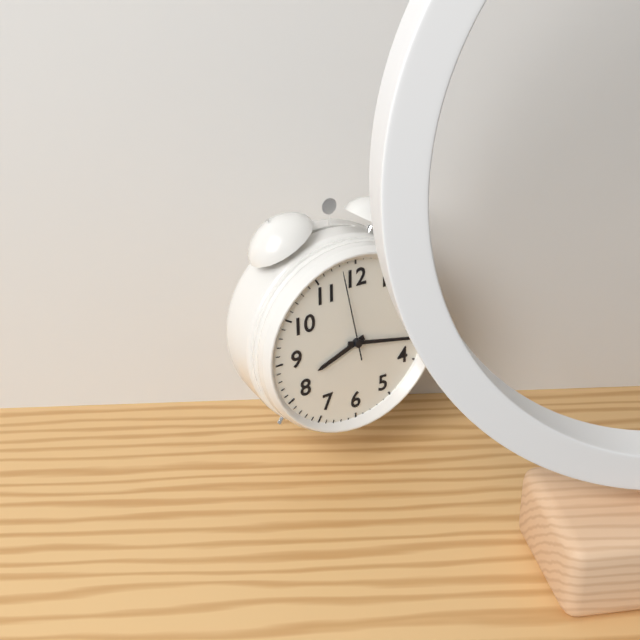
**8:17:58**
